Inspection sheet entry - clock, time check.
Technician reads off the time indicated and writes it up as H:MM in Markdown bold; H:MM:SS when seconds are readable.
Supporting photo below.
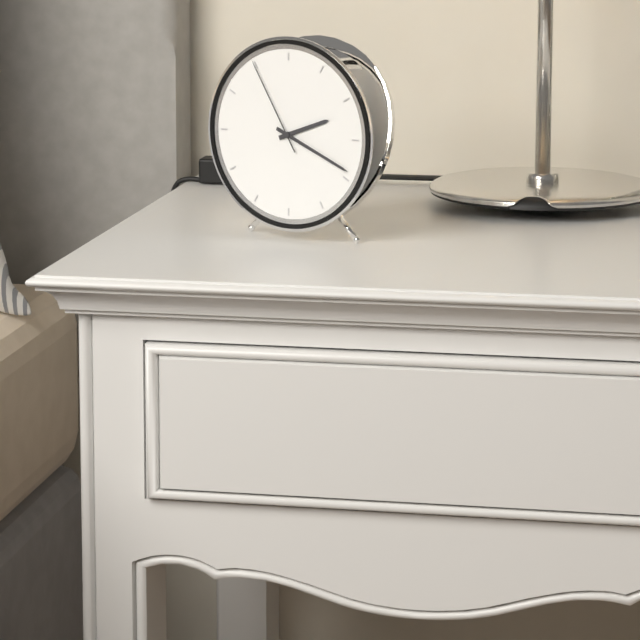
**2:19:55**
